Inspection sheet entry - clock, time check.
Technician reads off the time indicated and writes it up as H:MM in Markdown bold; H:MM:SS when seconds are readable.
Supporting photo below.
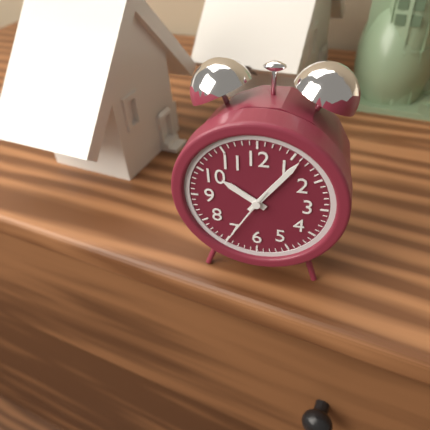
**10:06:35**
